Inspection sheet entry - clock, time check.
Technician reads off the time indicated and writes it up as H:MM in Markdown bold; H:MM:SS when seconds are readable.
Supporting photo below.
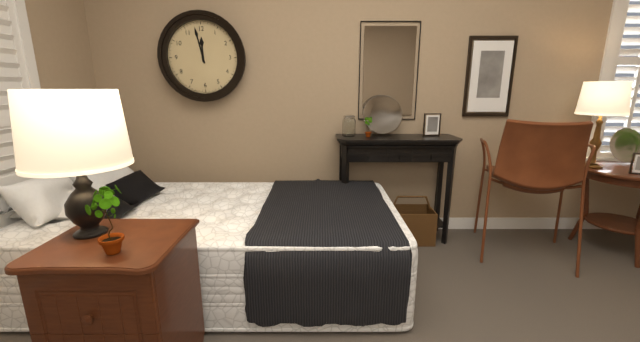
**11:58**
